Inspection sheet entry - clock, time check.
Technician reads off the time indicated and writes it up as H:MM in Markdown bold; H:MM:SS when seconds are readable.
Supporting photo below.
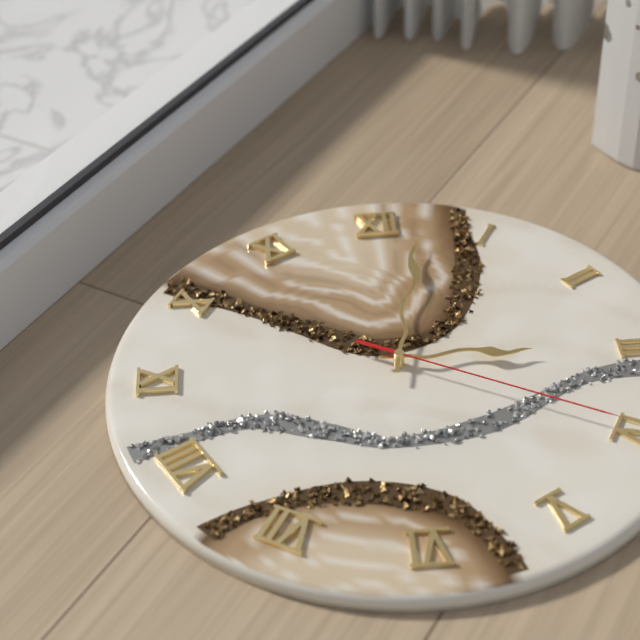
**3:02:20**
